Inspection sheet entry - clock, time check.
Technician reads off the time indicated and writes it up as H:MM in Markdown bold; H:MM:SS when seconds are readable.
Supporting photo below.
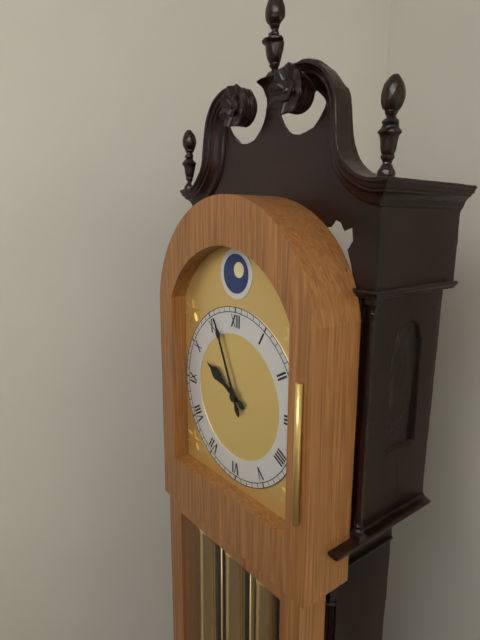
**9:56**
